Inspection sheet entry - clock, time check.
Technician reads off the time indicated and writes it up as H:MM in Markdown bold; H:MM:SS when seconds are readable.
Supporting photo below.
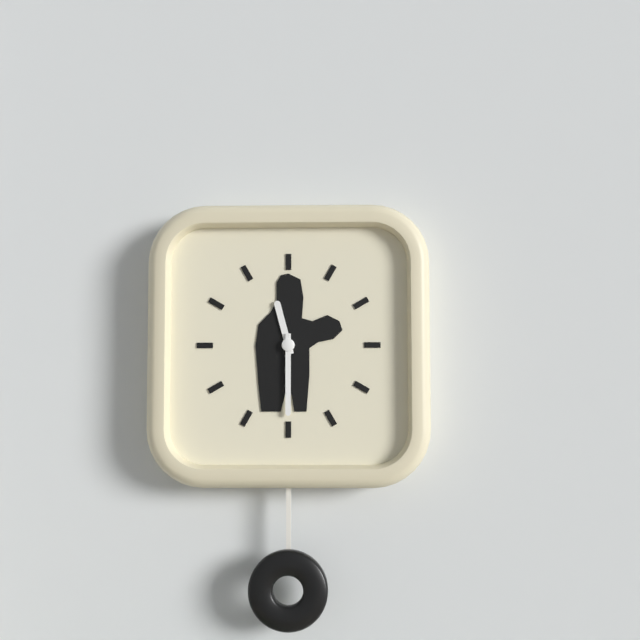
**11:30**
